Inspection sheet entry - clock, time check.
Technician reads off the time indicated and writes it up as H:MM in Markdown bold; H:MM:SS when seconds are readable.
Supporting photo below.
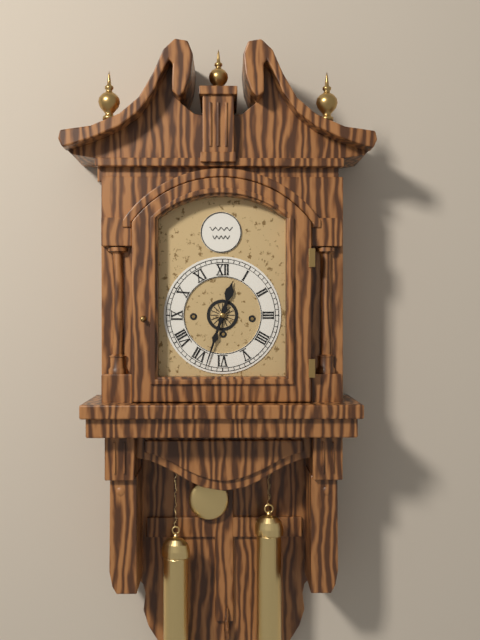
**12:33**
